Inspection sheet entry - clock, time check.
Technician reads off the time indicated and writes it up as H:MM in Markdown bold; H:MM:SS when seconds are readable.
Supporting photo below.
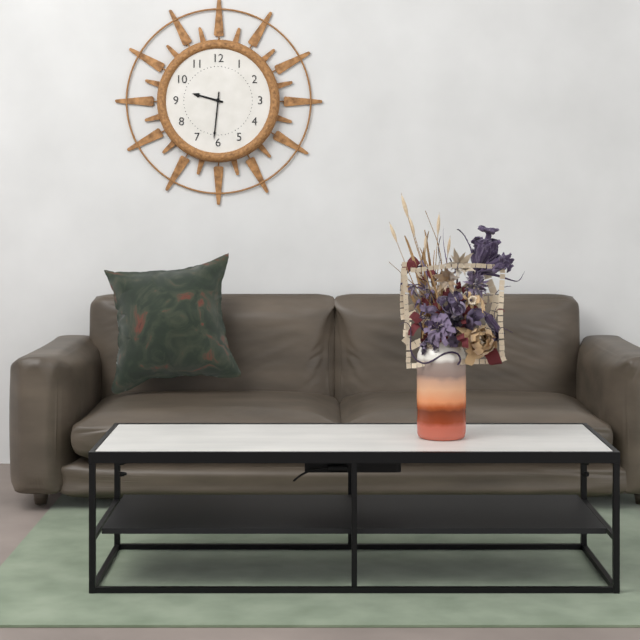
**9:31**
